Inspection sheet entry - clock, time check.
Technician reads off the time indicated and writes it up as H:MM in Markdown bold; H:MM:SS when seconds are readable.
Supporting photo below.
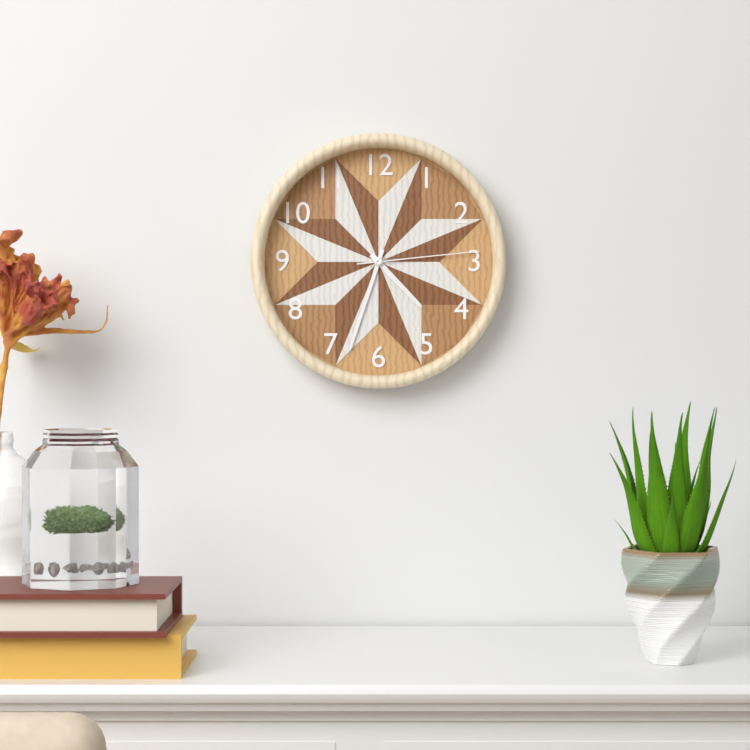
**4:33:14**
